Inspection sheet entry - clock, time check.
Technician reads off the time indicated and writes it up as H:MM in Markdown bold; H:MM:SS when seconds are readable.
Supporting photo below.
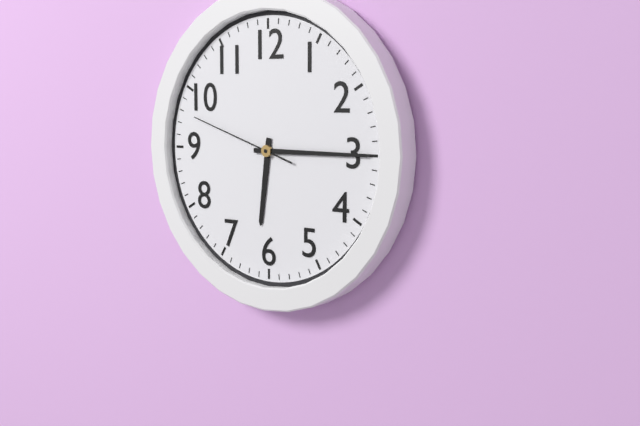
**6:15:48**
